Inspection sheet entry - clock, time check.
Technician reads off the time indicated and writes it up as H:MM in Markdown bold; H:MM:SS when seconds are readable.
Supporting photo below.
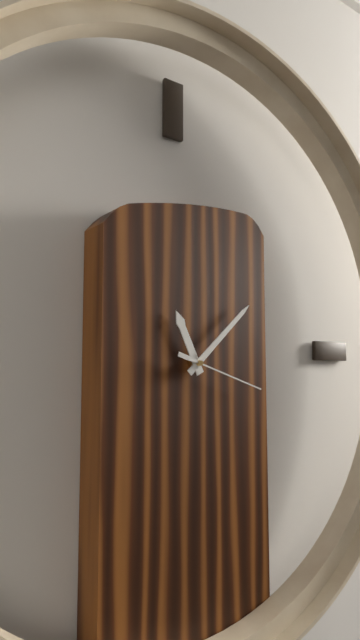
**11:08:18**
